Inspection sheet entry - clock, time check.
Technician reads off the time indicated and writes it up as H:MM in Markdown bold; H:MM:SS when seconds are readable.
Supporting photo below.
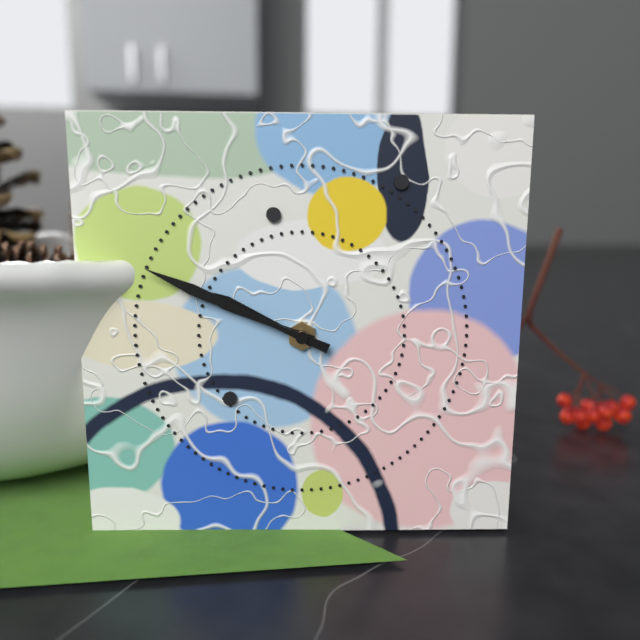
**9:49**
